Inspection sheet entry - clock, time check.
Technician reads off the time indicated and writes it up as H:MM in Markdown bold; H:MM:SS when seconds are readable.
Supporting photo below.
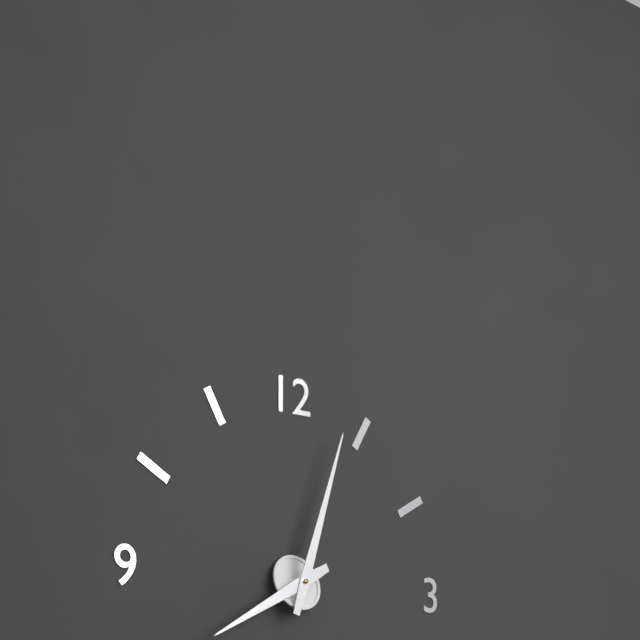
**8:03**
